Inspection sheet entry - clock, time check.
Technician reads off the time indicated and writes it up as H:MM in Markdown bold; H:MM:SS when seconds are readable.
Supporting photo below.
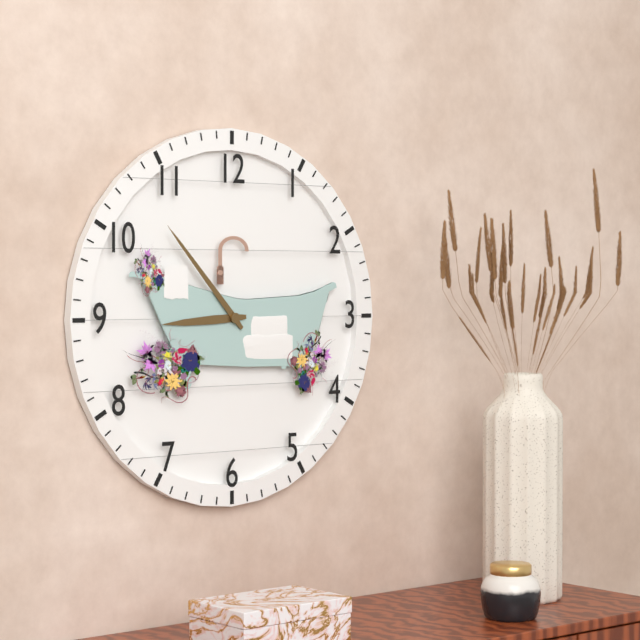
**8:53**
